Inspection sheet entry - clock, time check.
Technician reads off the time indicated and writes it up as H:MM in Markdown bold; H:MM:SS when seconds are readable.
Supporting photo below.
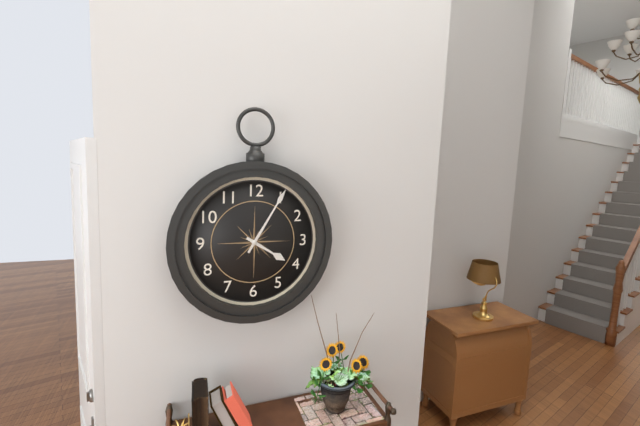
**4:05**
